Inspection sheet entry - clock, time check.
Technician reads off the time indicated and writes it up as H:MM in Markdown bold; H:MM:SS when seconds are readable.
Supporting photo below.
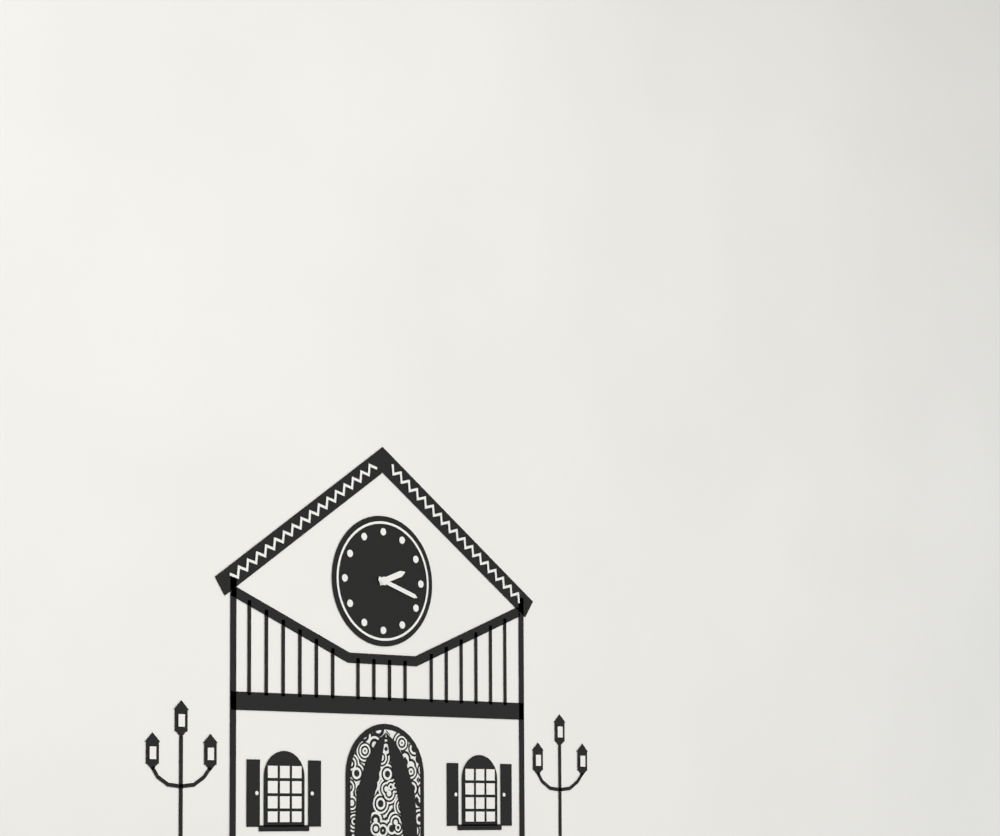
**2:18**
